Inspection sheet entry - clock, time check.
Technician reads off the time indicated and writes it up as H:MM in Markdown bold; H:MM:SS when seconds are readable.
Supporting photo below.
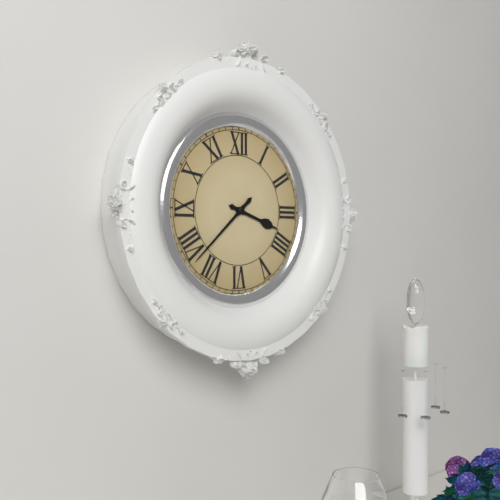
**3:38**
